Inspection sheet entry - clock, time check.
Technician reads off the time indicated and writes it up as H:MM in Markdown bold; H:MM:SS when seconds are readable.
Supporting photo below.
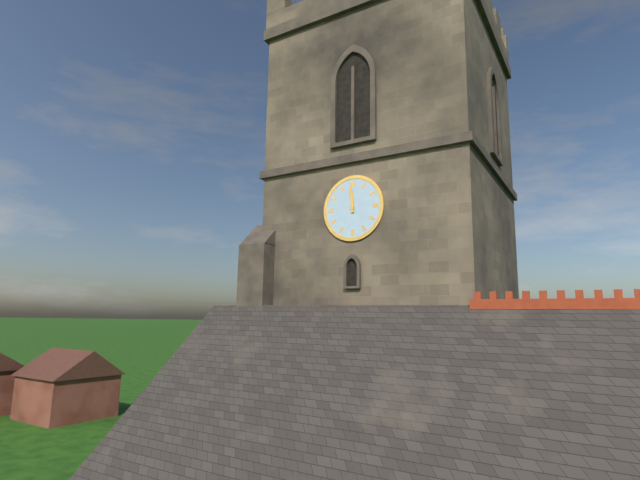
**11:59**
